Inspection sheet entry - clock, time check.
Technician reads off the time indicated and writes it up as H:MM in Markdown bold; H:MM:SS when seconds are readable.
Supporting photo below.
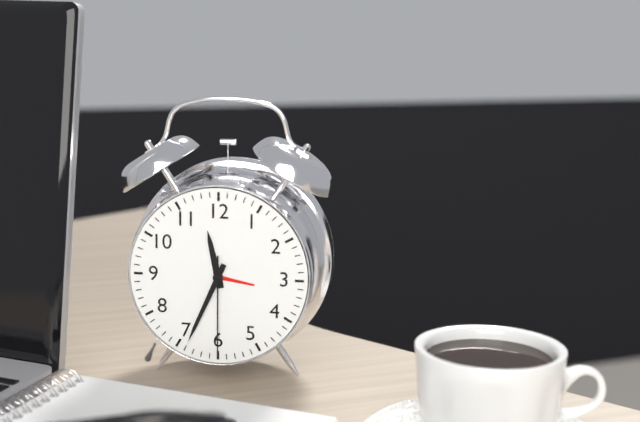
**11:34:30**
